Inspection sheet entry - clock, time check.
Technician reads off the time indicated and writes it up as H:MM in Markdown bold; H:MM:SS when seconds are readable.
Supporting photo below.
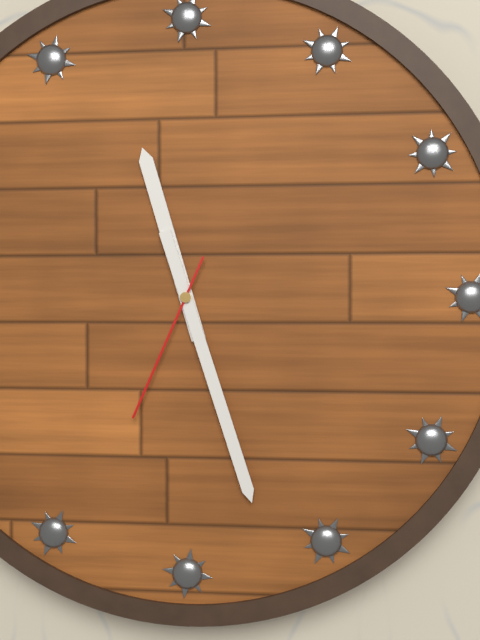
**11:27:34**
